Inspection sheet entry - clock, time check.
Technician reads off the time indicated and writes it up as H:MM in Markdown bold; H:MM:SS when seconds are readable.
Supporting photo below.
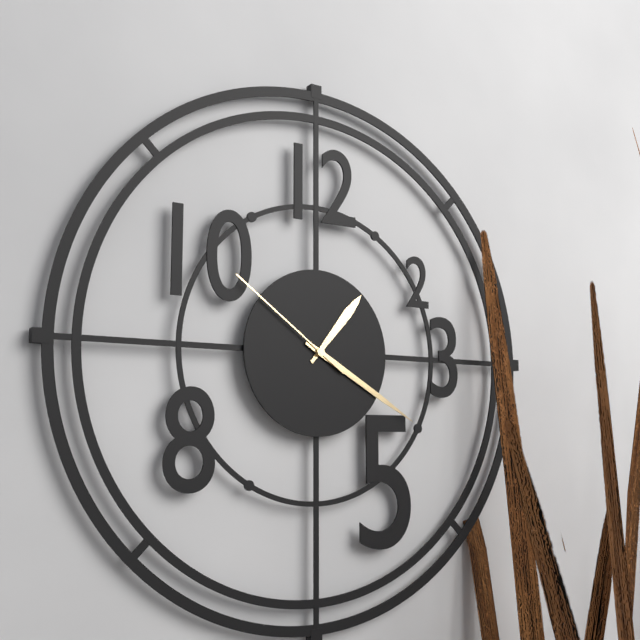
**1:20:51**
